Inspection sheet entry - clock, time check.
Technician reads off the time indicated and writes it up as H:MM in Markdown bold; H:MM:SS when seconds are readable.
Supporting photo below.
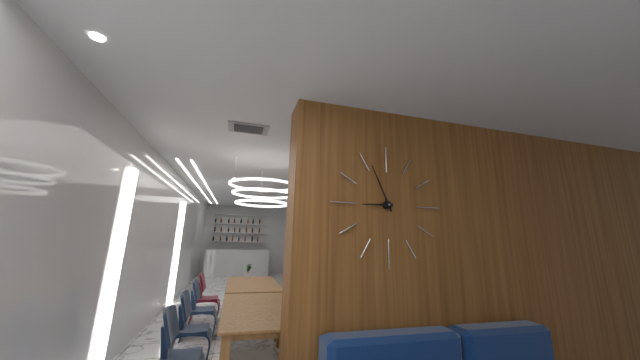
**8:56**
